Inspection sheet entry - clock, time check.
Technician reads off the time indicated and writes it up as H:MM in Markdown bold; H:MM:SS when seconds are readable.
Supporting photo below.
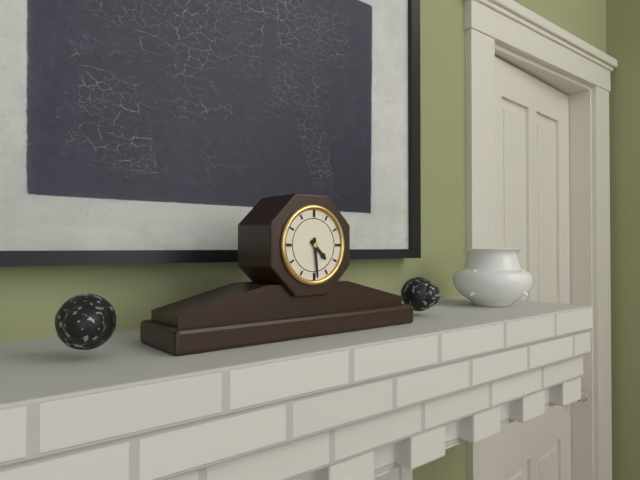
**4:29**
